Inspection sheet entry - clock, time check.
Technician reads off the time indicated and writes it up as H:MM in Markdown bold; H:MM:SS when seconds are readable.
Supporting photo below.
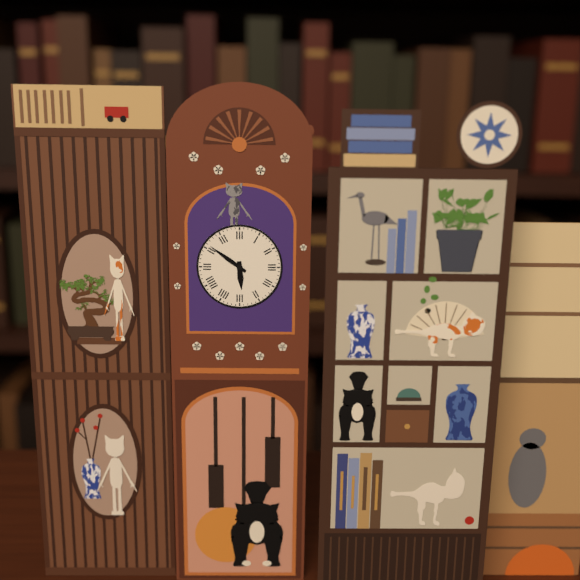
**5:51**
